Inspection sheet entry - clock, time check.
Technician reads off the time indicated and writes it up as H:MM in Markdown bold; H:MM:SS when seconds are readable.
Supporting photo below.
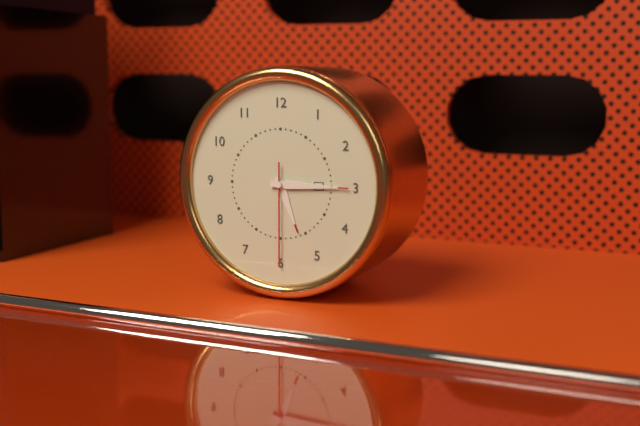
**5:15:30**
